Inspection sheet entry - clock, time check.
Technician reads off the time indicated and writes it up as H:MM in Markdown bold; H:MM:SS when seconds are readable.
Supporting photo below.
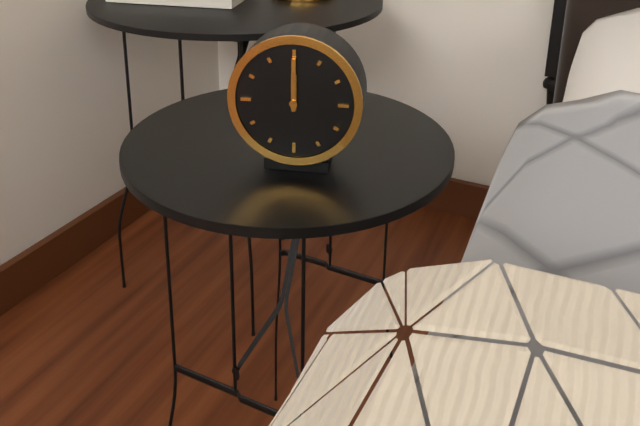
**12:00**
